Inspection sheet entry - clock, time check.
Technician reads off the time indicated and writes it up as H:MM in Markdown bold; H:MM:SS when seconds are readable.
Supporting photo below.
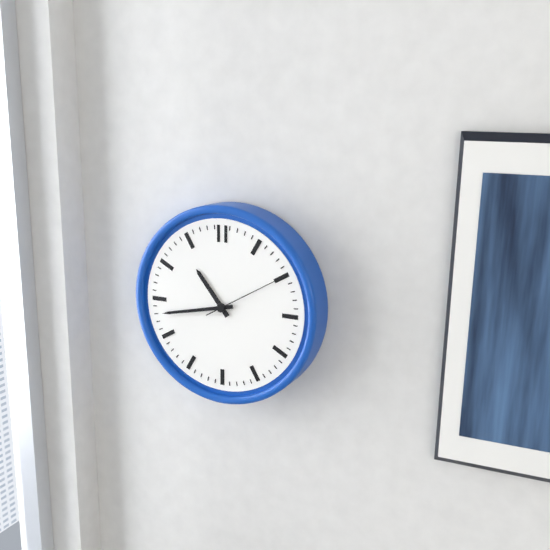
**10:43:10**
